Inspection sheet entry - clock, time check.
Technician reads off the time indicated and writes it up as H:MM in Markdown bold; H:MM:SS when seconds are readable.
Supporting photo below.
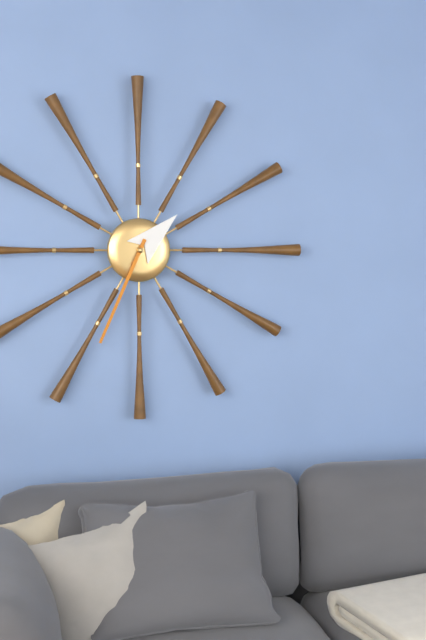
**1:34**
